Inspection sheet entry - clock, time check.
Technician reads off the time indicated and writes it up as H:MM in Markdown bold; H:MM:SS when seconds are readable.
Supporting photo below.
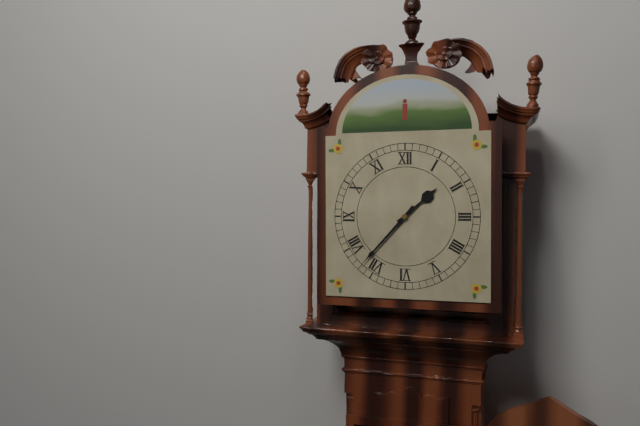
**1:37**
